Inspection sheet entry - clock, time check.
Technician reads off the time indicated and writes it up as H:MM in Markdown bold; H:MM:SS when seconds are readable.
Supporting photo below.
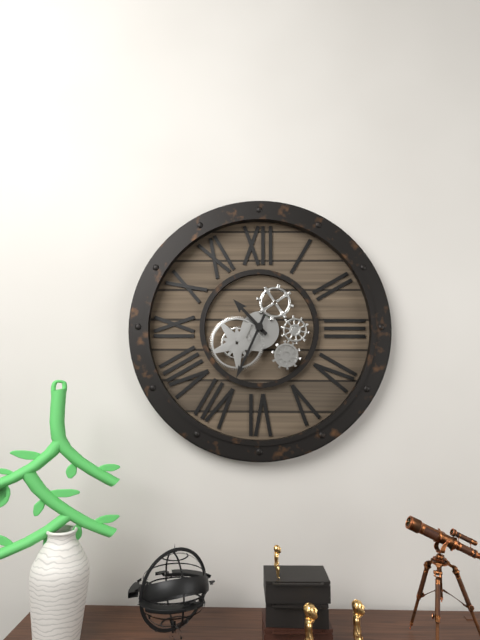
**10:34**
